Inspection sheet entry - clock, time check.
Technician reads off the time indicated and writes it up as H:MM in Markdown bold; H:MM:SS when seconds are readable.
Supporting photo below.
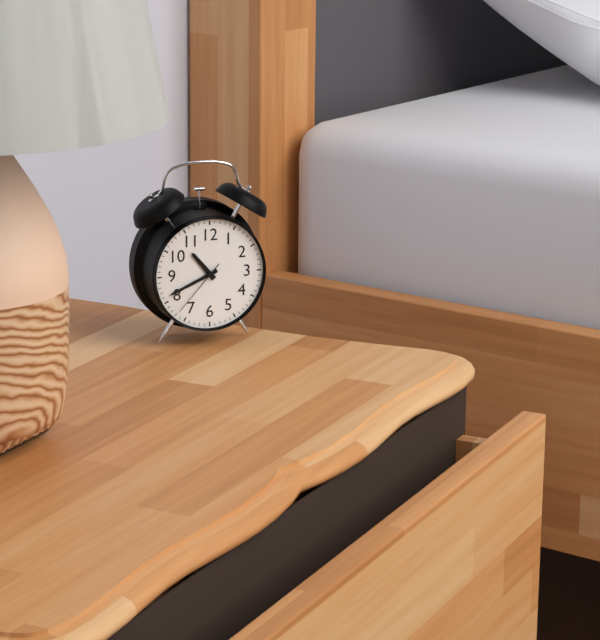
**10:41:37**
